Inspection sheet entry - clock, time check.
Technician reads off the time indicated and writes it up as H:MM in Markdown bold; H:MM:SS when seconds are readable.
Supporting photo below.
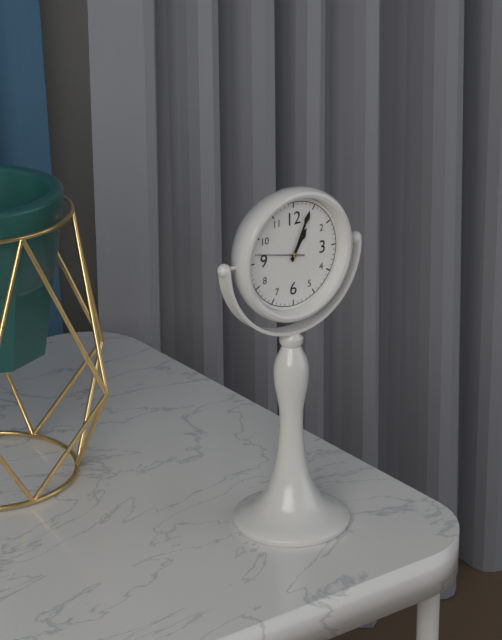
**1:04**
